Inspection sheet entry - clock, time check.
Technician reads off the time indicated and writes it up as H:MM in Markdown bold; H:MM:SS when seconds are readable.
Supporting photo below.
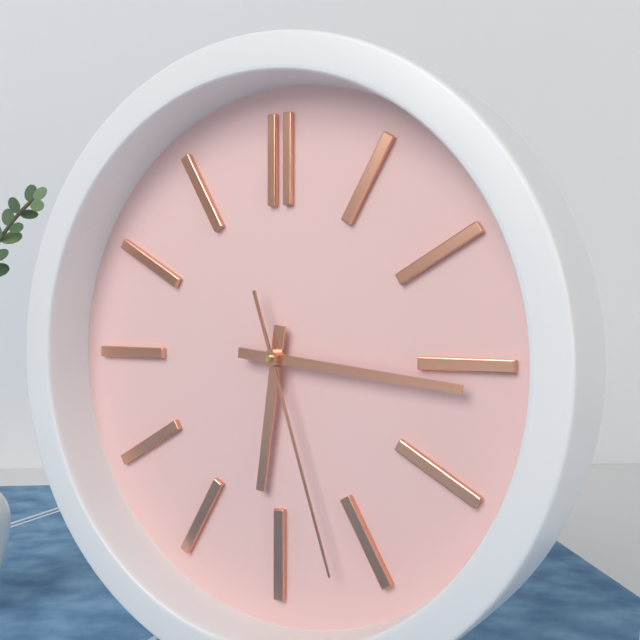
**6:16:27**
